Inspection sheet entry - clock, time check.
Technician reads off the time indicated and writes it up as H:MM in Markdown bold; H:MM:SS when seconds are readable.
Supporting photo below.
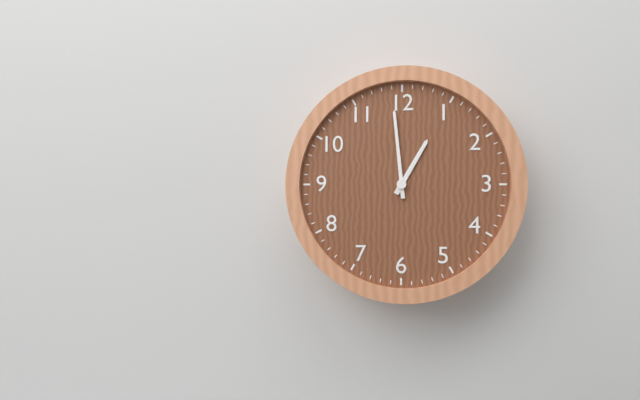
**12:59**
